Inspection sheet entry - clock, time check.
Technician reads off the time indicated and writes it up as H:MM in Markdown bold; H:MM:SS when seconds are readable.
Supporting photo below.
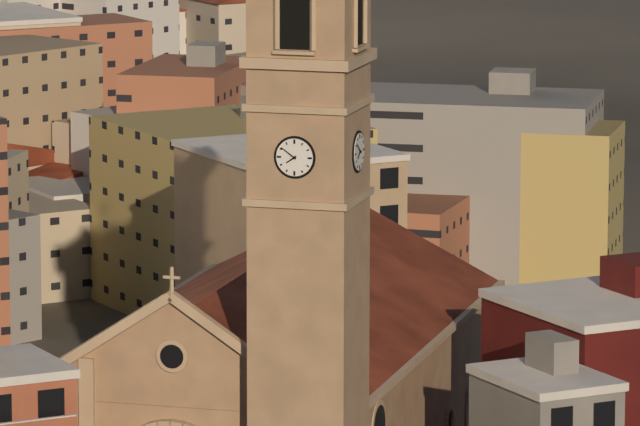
**7:51**
